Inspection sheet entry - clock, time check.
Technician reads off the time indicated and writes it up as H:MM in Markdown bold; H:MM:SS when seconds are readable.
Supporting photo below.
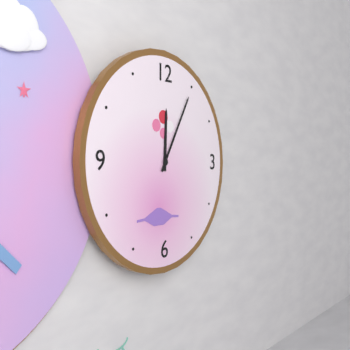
**12:05**
